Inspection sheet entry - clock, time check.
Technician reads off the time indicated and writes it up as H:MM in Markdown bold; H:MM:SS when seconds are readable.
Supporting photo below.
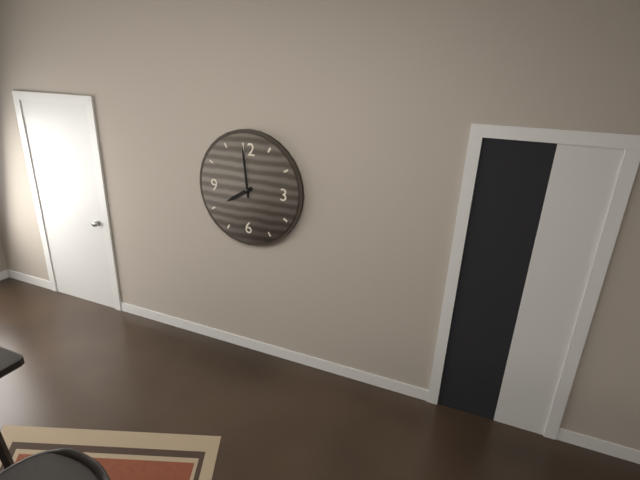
**7:59**
